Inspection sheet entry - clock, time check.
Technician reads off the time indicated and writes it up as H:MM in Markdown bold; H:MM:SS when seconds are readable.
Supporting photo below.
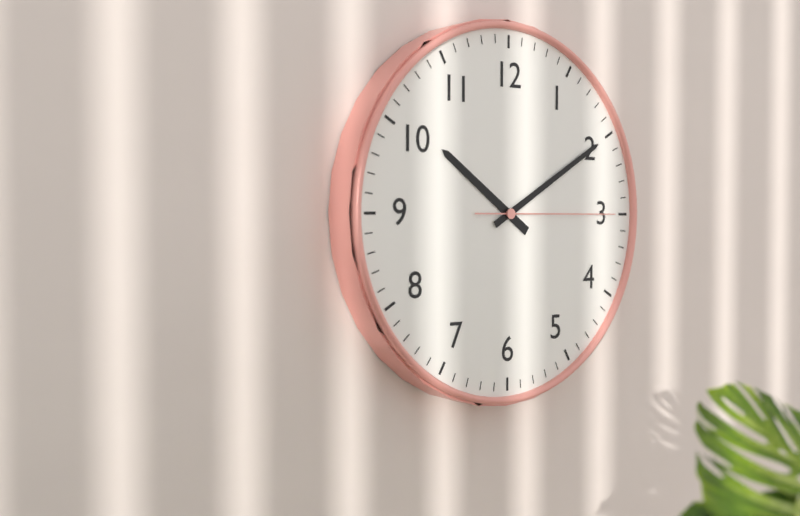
**10:10:15**
